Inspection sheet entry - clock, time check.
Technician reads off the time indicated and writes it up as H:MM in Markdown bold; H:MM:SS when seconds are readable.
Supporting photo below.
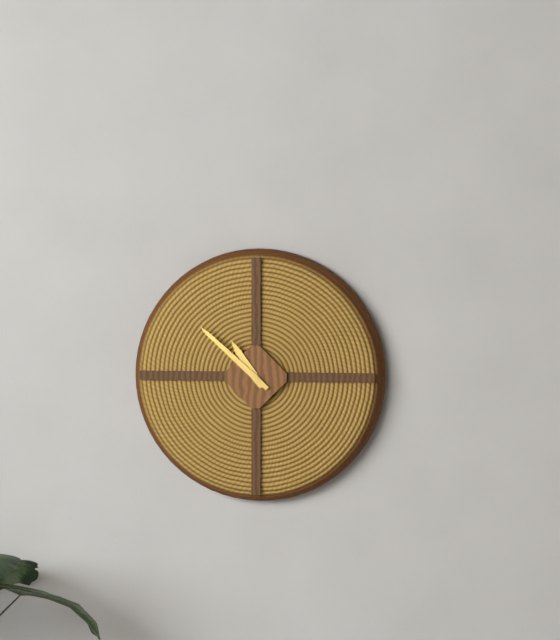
**10:52**
